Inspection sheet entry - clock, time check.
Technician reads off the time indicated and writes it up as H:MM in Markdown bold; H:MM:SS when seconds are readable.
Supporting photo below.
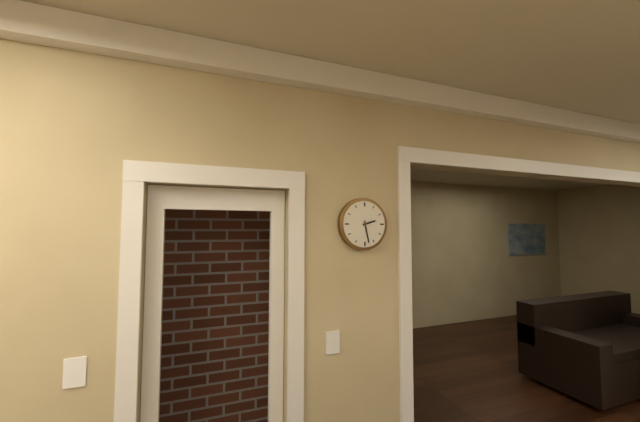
**2:28**
